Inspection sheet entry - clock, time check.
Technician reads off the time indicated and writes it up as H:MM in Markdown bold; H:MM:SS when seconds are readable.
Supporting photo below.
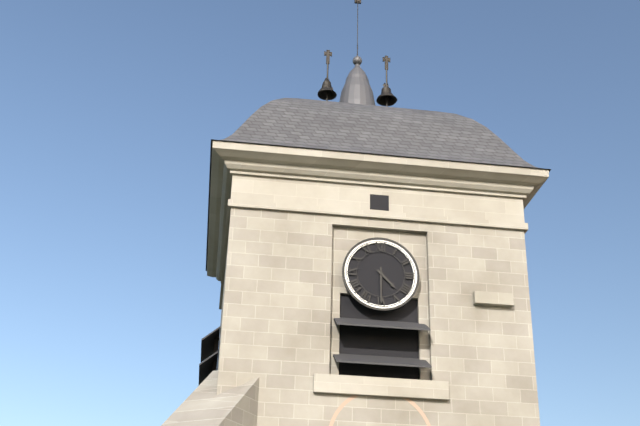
**4:30**
